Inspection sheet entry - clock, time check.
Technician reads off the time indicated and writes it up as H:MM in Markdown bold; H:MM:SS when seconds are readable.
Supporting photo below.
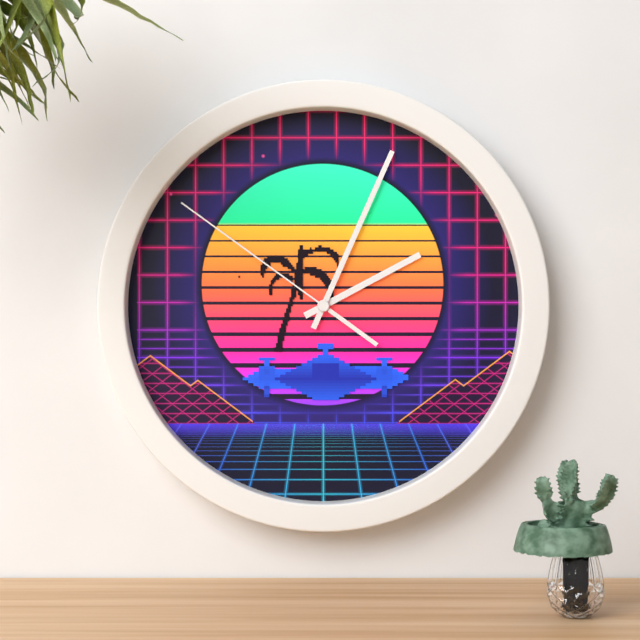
**2:04:51**
